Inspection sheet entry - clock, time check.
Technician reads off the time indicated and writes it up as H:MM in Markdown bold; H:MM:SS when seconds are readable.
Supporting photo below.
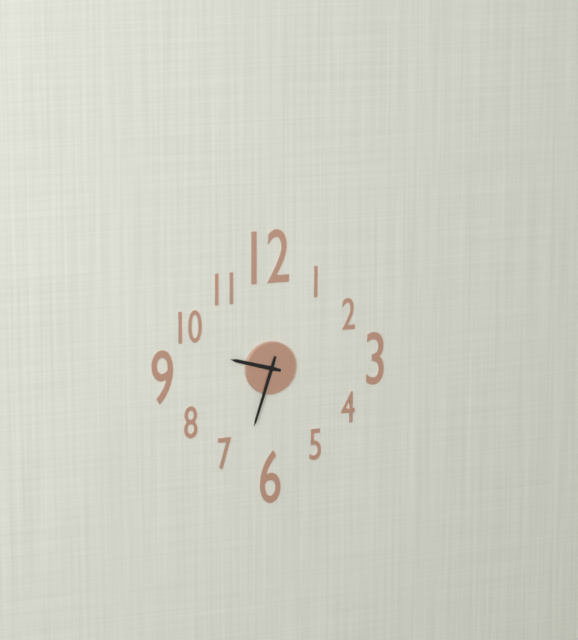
**9:33**
